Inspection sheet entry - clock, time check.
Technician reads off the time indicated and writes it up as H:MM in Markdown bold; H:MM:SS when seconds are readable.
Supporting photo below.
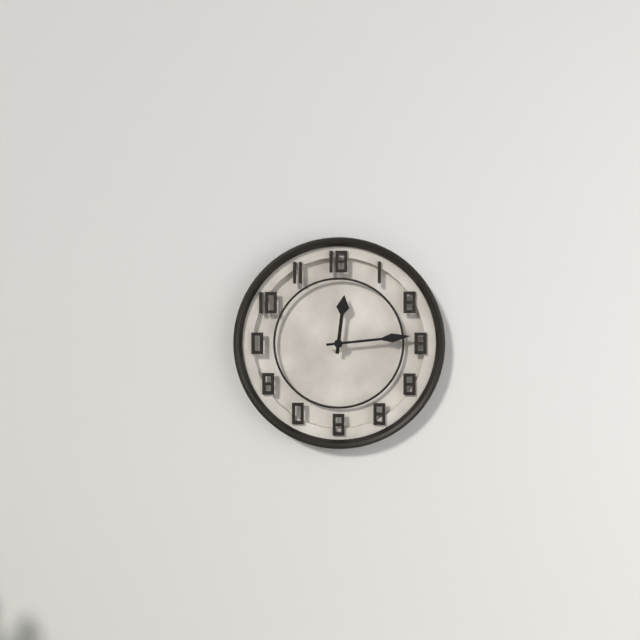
**12:14**
